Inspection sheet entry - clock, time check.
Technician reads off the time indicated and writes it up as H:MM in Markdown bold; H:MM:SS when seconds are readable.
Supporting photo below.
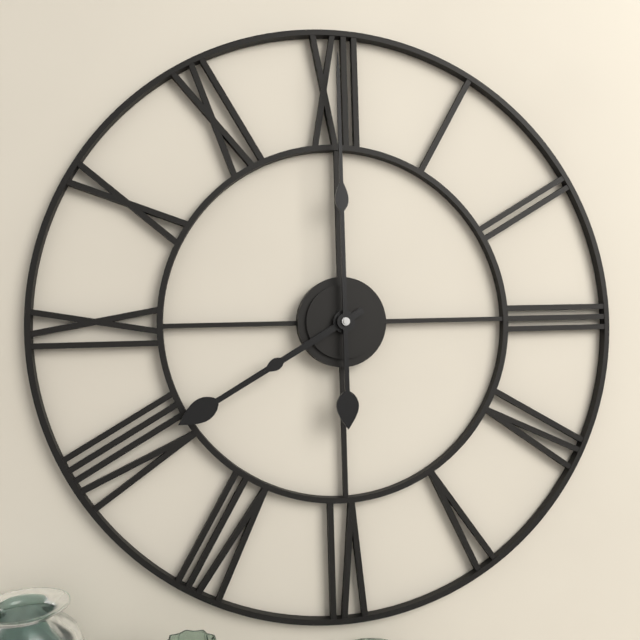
**8:00**
